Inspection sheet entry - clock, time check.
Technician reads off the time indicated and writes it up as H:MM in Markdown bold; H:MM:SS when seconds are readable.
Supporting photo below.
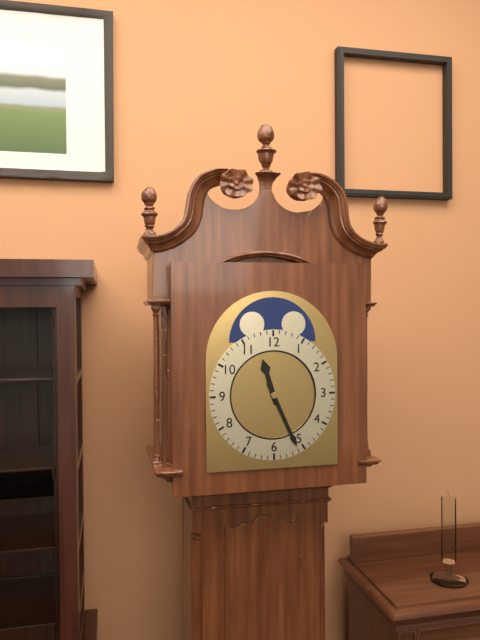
**11:26**
